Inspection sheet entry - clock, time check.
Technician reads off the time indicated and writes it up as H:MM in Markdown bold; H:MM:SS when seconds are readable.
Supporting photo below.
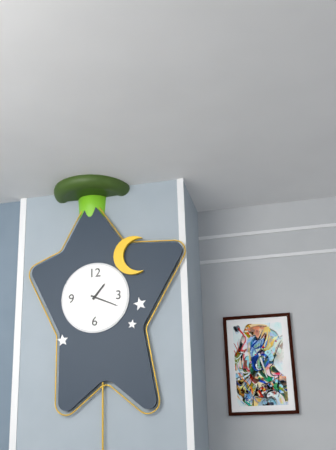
**1:19**
